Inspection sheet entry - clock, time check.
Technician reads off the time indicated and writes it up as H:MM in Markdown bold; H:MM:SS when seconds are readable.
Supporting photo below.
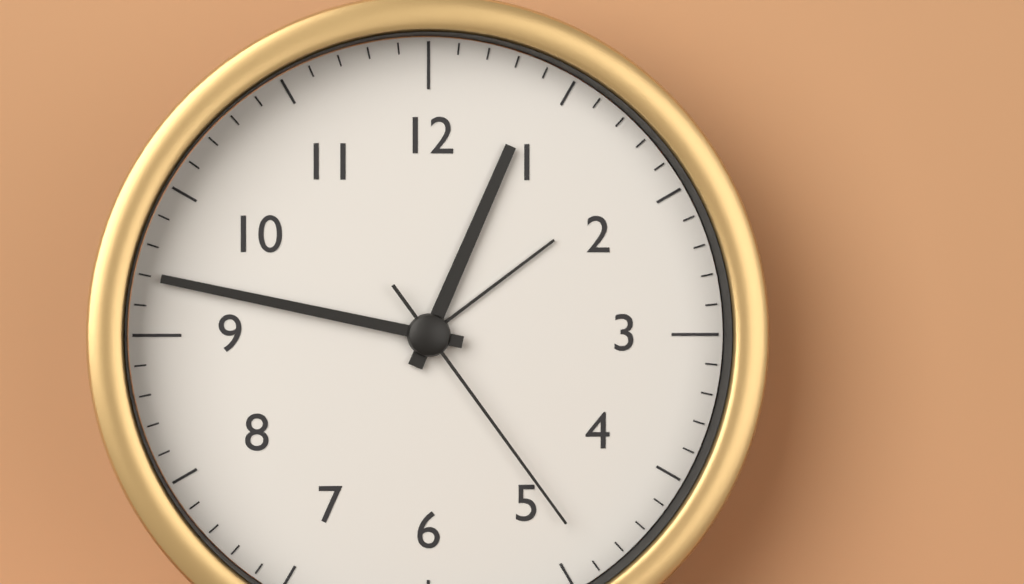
**12:47:24**
